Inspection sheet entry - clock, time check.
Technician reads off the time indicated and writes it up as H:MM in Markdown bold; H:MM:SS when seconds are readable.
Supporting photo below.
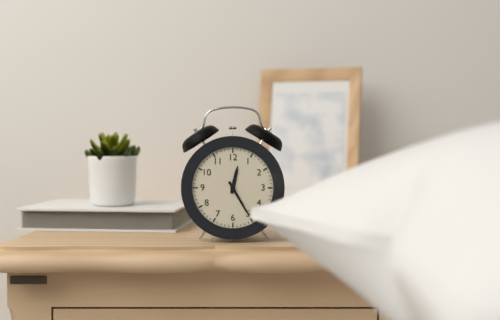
**12:25**
